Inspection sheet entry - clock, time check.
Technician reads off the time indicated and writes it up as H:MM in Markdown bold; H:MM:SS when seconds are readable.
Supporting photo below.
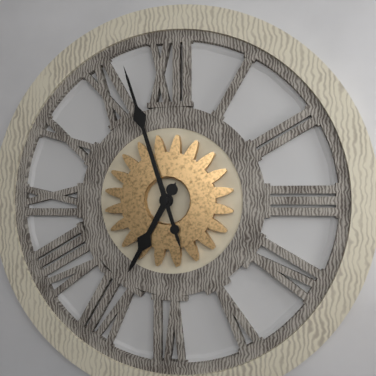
**6:57**
